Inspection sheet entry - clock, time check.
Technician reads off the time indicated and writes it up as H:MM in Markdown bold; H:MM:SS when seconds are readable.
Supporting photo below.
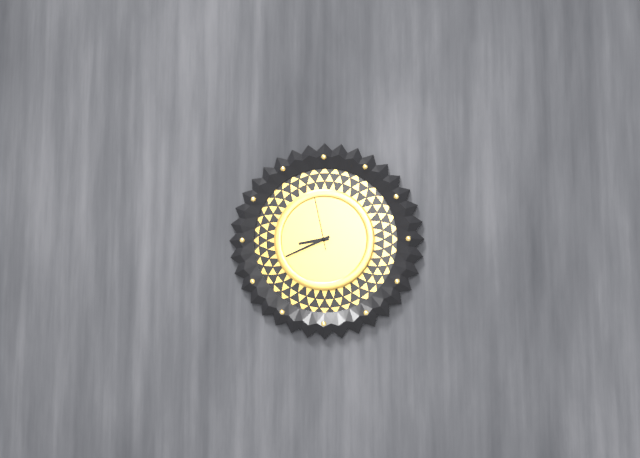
**8:41:58**
